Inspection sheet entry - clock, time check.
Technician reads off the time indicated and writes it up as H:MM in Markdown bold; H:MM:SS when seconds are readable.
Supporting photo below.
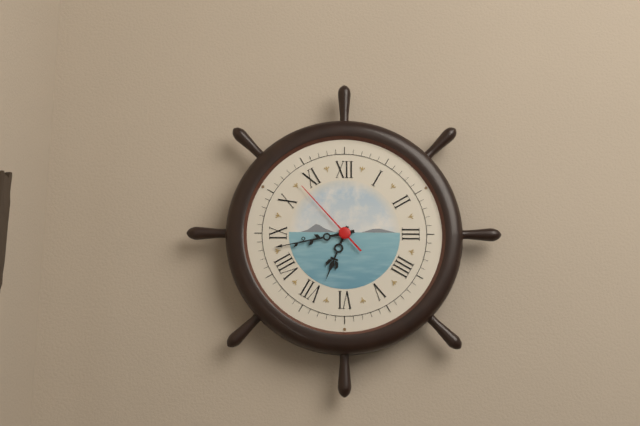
**6:43:53**
